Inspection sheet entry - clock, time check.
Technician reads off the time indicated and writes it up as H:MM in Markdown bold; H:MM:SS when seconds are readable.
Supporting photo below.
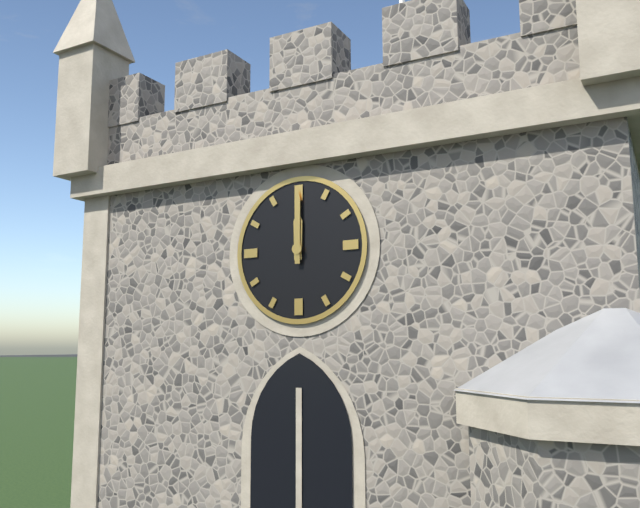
**12:00**
